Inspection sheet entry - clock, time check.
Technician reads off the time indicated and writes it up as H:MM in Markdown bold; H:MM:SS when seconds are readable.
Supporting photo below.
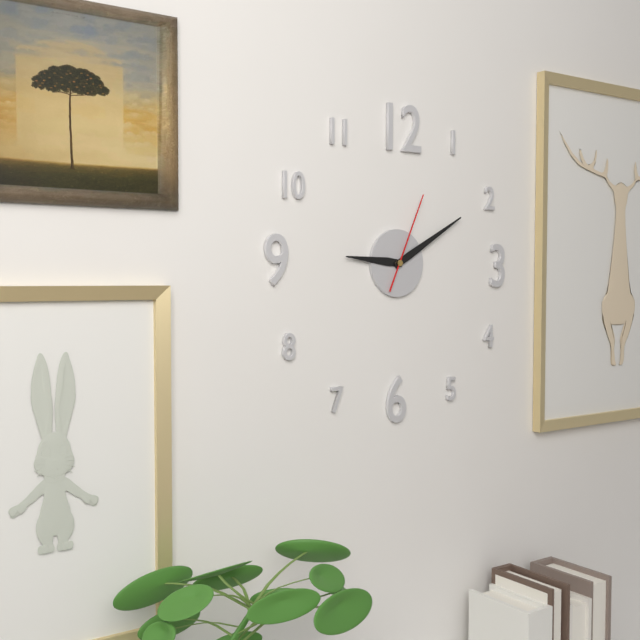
**9:10:04**
